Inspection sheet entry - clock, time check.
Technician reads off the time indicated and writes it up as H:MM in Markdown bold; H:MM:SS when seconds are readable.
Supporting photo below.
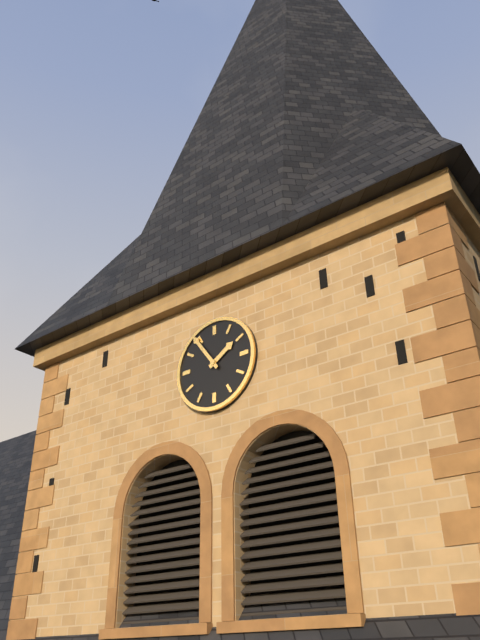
**1:54**
